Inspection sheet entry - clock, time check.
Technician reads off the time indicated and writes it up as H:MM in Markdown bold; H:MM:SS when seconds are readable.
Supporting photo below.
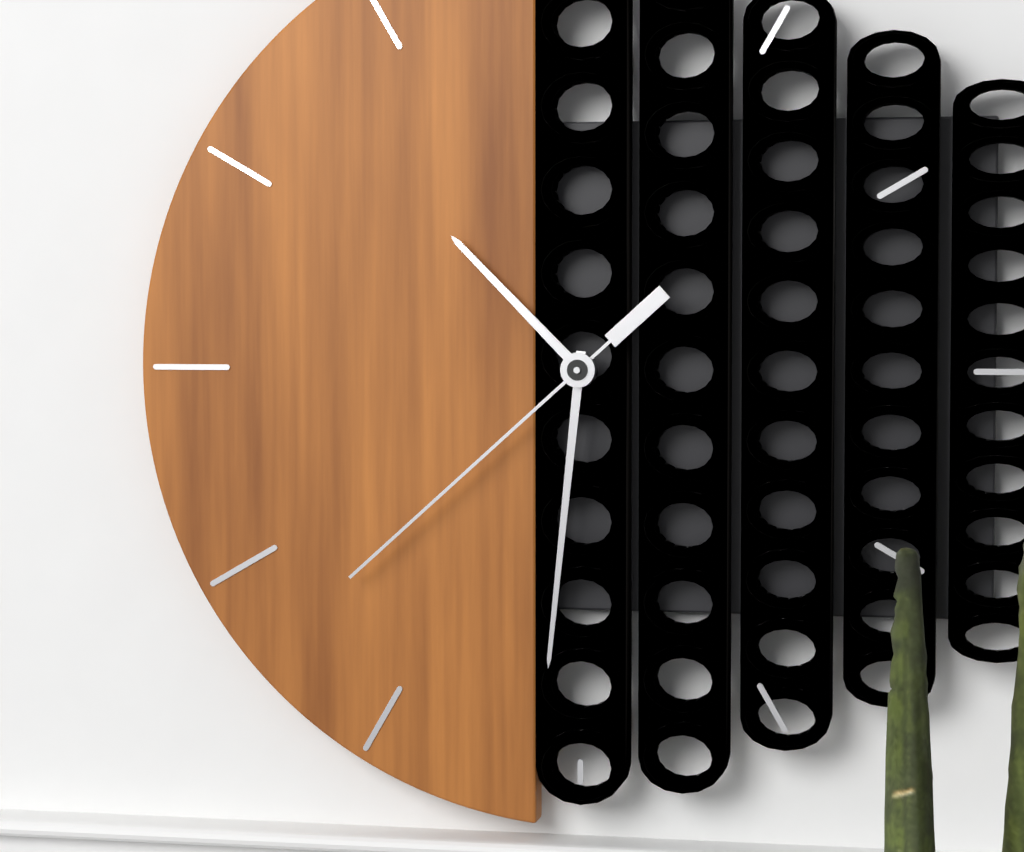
**10:31:38**
